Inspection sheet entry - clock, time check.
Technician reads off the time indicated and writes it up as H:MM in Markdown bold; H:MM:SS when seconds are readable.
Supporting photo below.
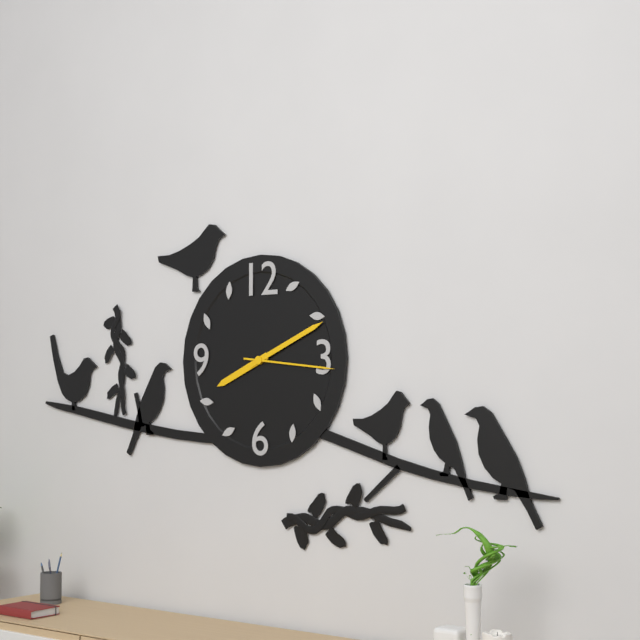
**8:11:16**
